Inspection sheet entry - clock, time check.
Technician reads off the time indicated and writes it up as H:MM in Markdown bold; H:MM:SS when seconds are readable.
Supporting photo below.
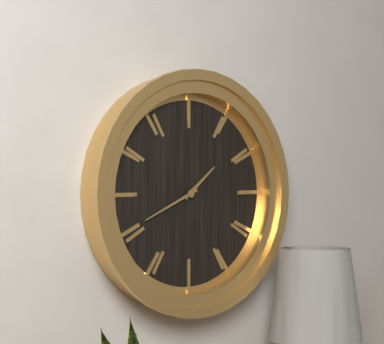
**1:41**
